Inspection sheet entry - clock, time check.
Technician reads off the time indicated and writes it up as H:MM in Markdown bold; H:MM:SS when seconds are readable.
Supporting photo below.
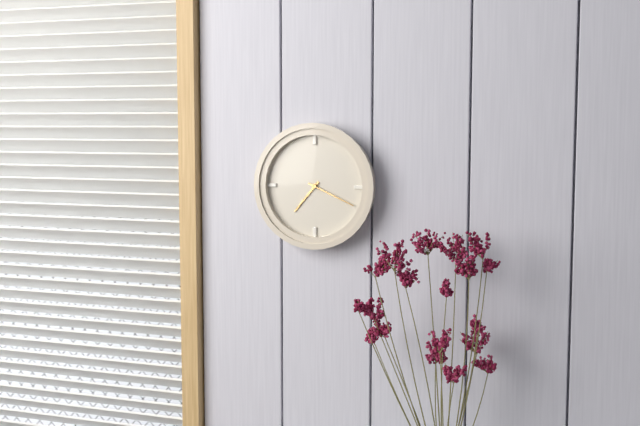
**7:19**
